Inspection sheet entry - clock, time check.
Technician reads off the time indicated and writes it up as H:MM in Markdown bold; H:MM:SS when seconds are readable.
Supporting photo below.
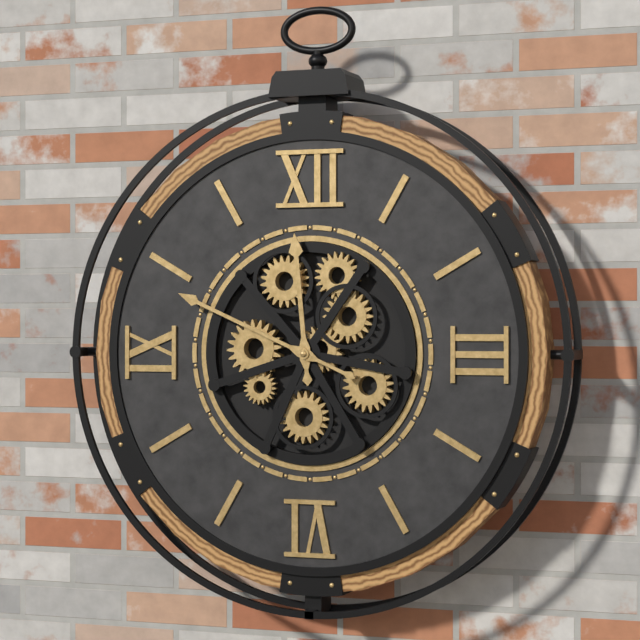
**11:49**
